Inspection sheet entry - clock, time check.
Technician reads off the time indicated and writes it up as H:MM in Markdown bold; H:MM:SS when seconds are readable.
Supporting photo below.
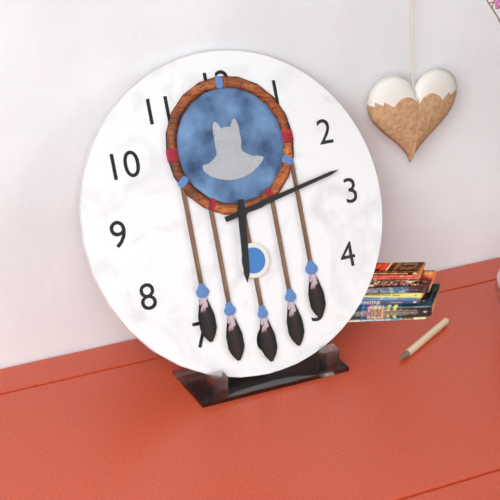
**6:13**
